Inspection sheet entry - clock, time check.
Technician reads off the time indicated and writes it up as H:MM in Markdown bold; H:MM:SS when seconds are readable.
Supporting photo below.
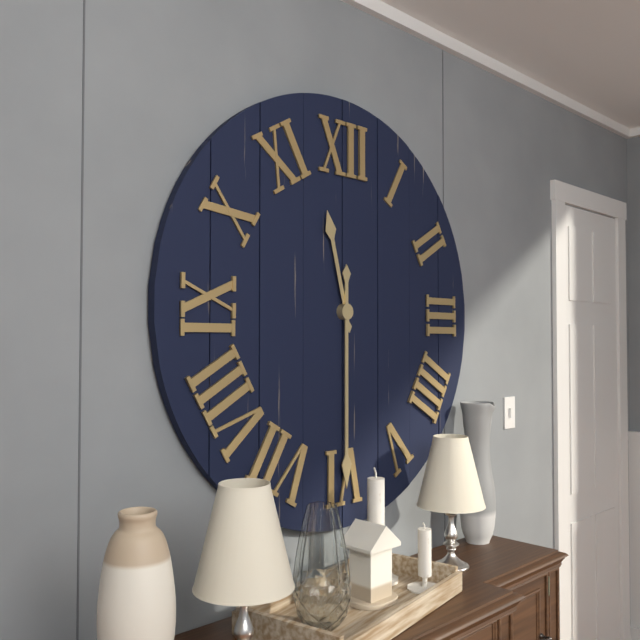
**11:30**
